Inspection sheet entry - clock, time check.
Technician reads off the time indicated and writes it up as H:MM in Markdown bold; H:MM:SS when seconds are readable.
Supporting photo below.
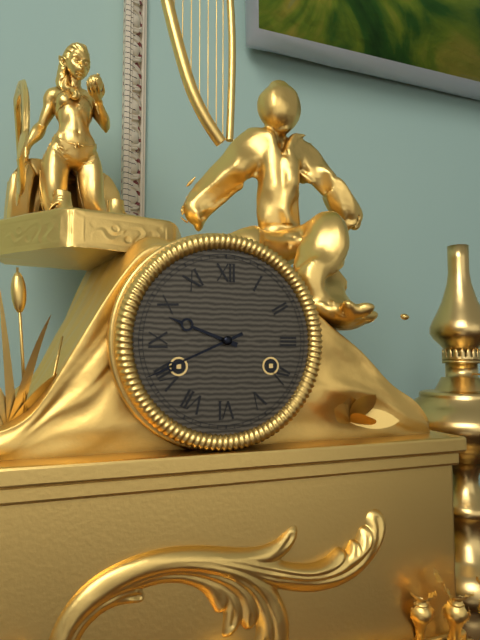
**9:41**
